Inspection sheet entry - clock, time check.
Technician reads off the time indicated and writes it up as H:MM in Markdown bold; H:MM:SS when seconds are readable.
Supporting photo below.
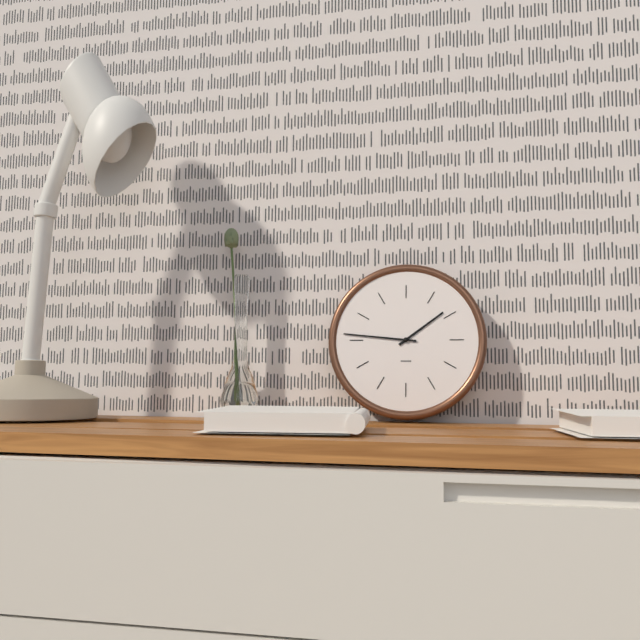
**1:46**
